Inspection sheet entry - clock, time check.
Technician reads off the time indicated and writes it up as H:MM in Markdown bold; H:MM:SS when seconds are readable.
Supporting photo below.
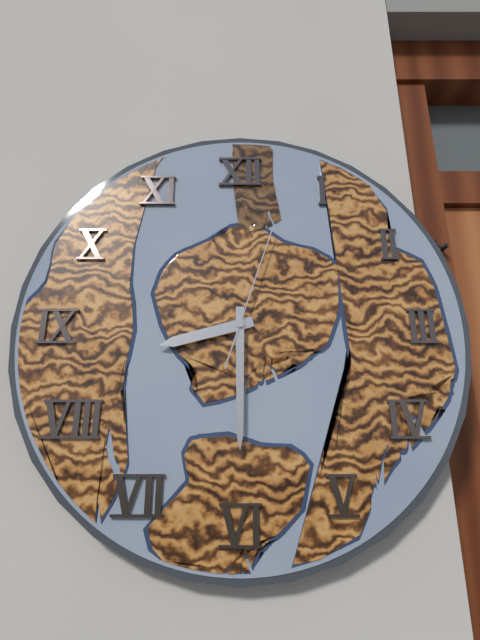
**8:30:03**
